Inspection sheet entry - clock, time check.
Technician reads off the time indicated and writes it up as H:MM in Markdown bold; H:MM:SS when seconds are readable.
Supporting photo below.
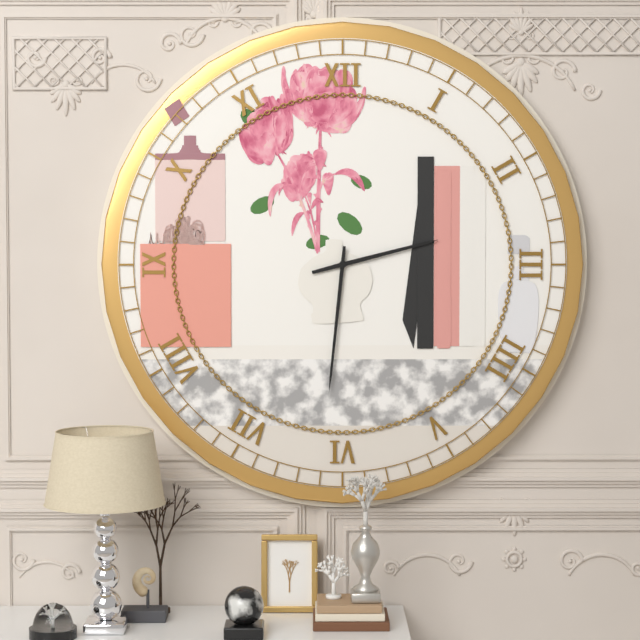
**2:31**
